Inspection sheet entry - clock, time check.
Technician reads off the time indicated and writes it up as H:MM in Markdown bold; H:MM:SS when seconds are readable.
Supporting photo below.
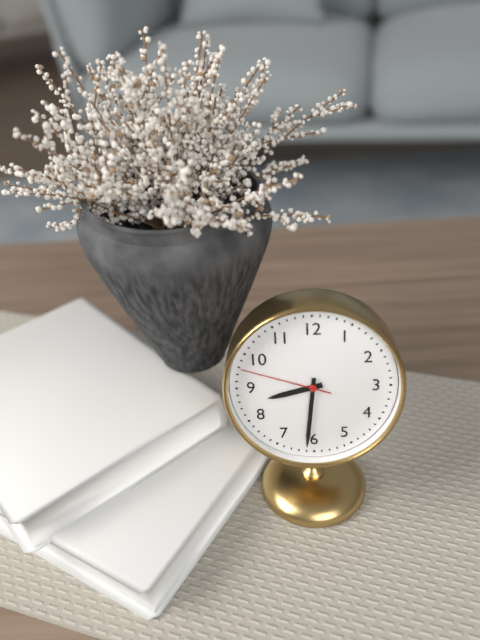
**8:31:48**
